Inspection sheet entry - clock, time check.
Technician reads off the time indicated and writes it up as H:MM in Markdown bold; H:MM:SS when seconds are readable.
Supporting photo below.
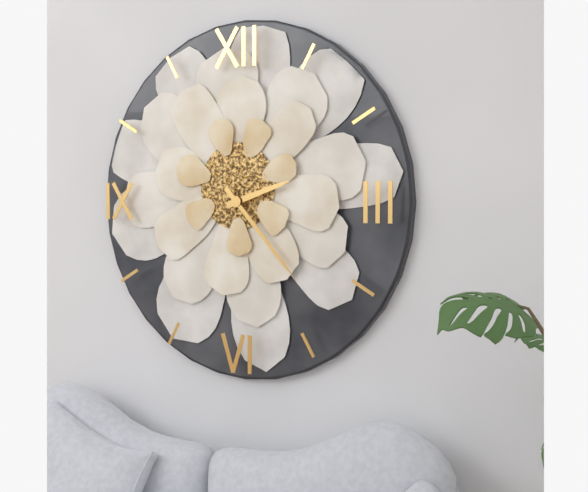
**2:23**
